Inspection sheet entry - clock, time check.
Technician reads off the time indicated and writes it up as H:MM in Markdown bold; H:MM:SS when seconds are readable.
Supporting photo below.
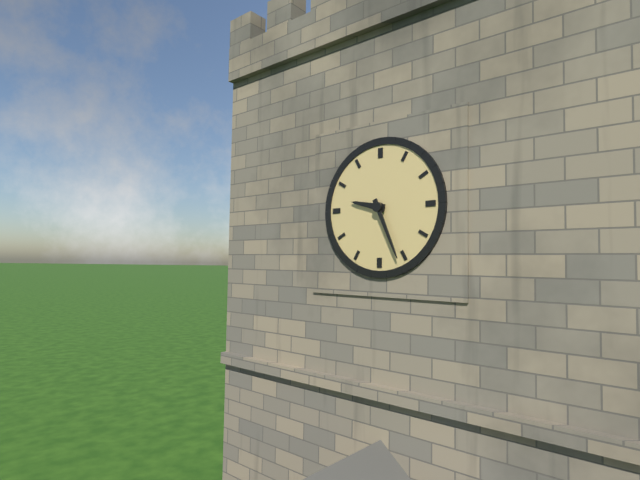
**9:26**
